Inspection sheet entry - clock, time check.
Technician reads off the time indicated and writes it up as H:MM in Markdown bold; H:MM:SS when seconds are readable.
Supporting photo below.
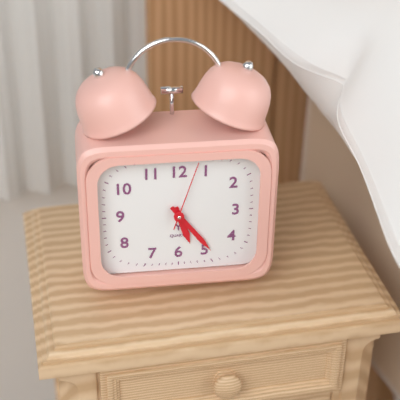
**5:24:03**
